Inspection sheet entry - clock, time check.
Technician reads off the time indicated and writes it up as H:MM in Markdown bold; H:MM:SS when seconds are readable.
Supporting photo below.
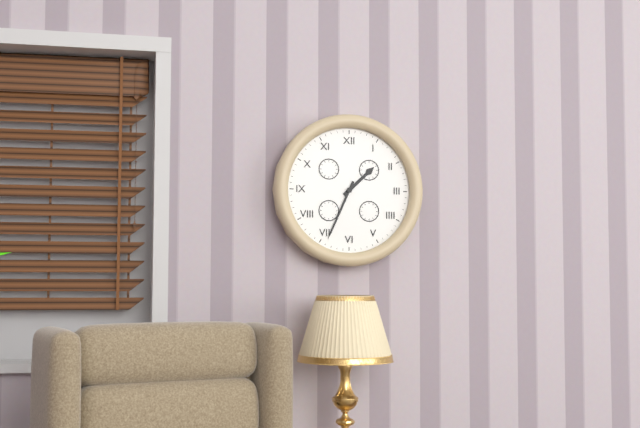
**1:34**
